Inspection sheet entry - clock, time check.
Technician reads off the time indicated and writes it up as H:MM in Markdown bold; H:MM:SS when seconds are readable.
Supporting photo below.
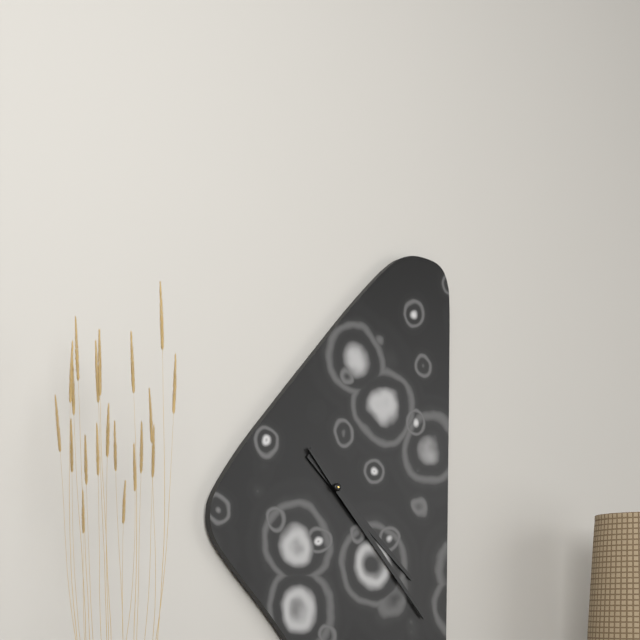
**4:23**
